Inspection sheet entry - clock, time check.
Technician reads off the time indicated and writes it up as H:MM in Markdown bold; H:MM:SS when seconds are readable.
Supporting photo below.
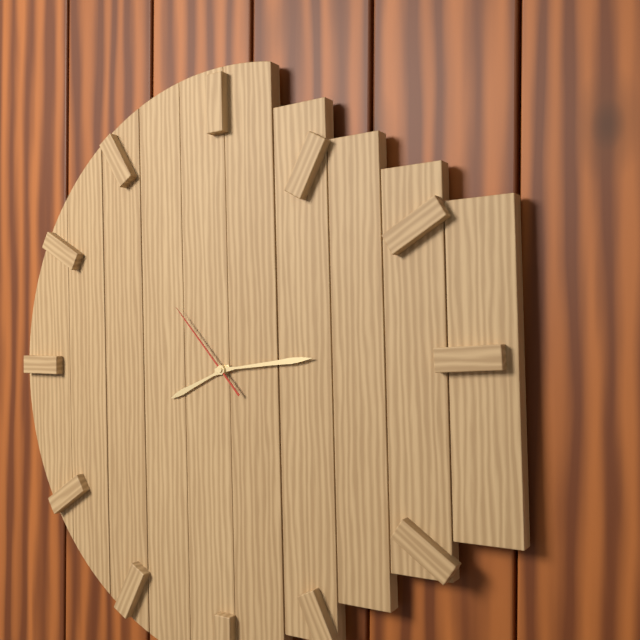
**8:14:53**
